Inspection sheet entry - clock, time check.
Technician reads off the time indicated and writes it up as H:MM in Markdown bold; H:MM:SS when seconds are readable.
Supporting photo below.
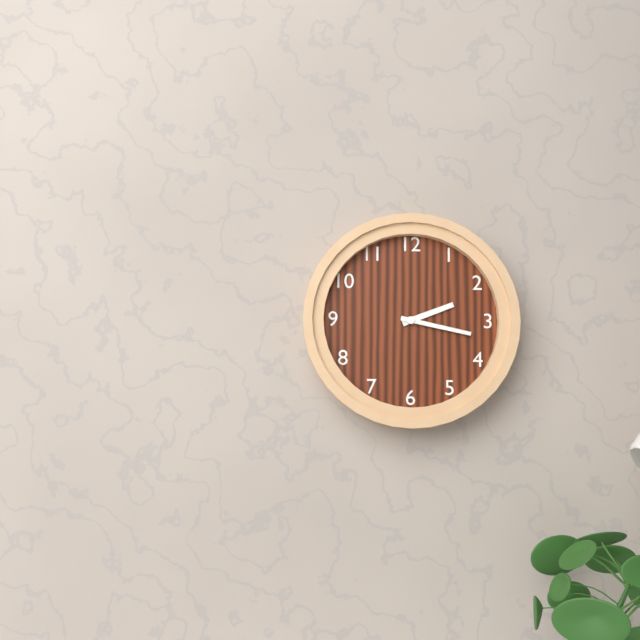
**2:17**
